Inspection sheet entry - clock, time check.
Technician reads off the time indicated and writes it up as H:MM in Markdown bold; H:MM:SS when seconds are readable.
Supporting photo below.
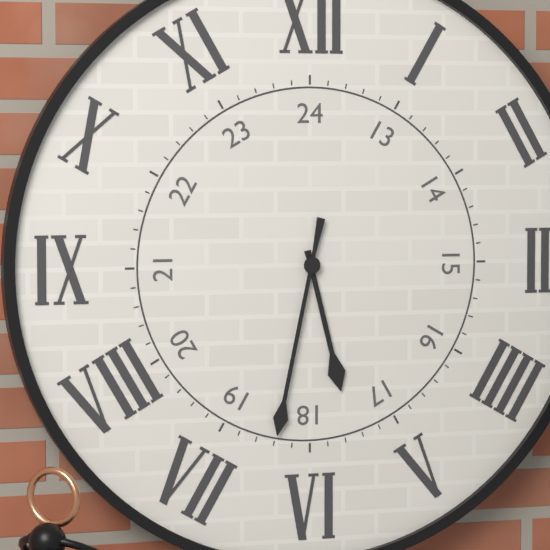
**5:32**
